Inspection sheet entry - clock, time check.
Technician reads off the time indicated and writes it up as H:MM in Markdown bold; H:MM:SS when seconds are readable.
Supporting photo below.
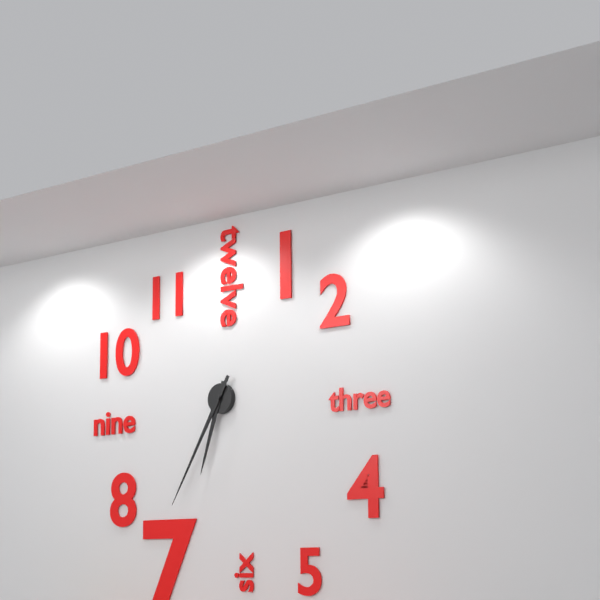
**6:35**
